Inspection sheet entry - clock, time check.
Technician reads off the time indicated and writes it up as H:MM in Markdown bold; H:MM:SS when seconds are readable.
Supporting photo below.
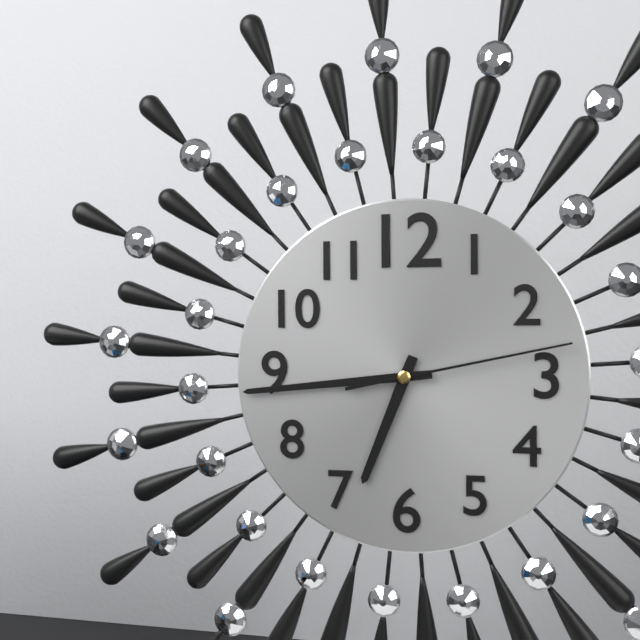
**6:44:13**
